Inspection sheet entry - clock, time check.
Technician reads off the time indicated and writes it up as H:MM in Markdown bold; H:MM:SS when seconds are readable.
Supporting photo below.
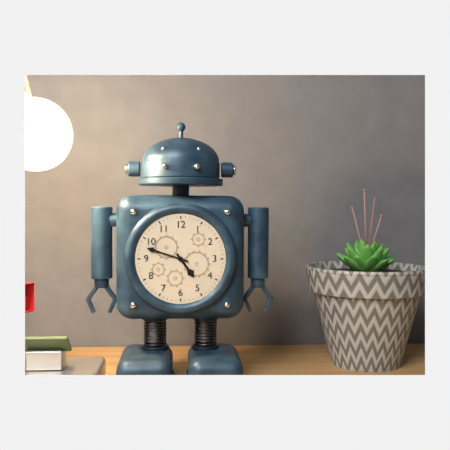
**4:48**
